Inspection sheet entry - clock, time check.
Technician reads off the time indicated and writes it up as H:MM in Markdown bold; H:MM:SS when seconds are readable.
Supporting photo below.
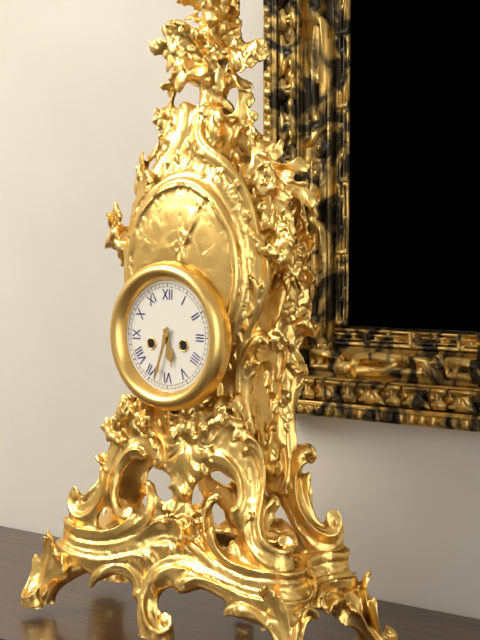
**5:33**
